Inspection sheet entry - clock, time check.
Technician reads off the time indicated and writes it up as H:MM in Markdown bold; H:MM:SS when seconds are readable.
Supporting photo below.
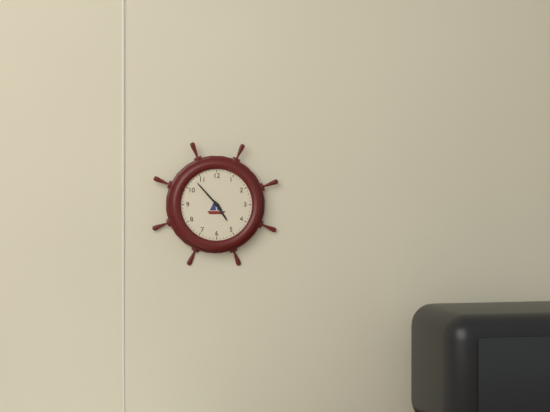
**4:53**
